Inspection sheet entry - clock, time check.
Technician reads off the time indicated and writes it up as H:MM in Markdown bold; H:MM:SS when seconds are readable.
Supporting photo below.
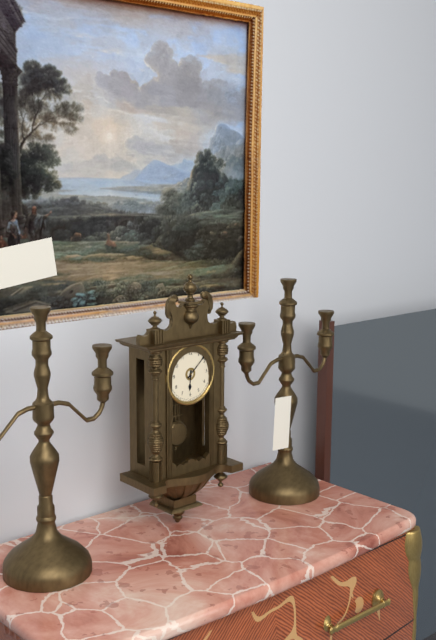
**6:08**
